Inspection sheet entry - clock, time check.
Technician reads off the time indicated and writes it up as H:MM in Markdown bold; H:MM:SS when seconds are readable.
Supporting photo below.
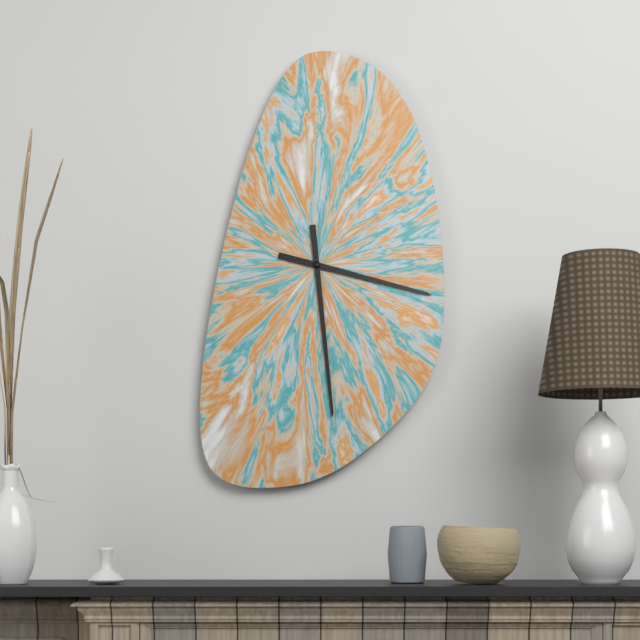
**3:29**
